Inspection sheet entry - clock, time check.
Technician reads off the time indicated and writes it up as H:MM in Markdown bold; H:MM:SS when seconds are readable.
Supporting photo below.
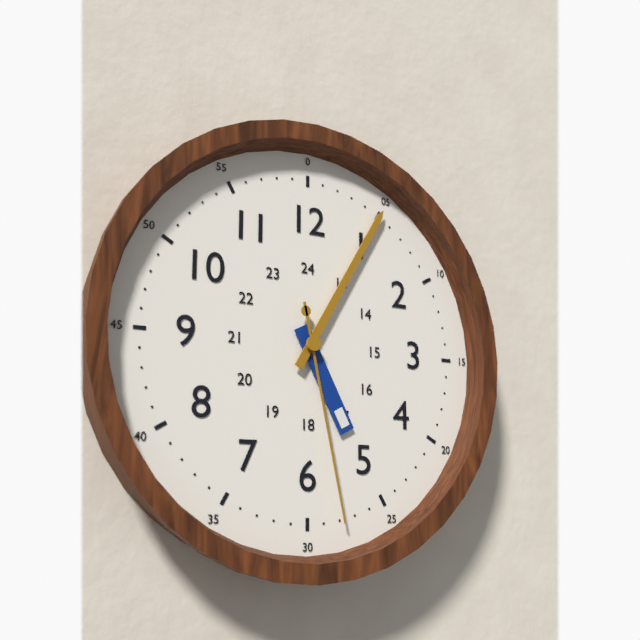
**5:05:28**
